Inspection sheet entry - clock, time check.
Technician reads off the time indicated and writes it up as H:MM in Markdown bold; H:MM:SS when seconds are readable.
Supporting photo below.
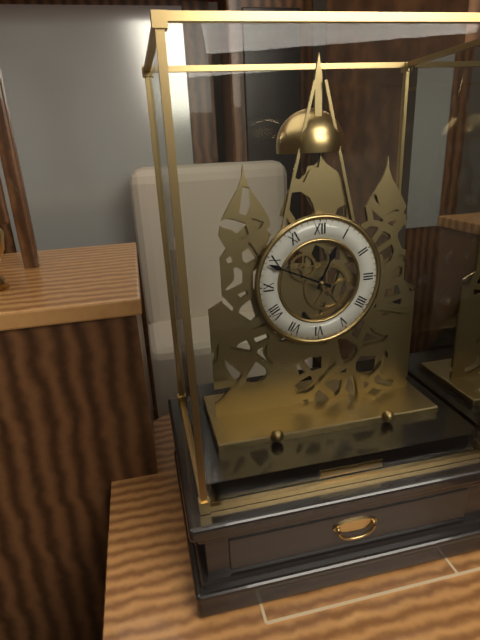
**12:49**
